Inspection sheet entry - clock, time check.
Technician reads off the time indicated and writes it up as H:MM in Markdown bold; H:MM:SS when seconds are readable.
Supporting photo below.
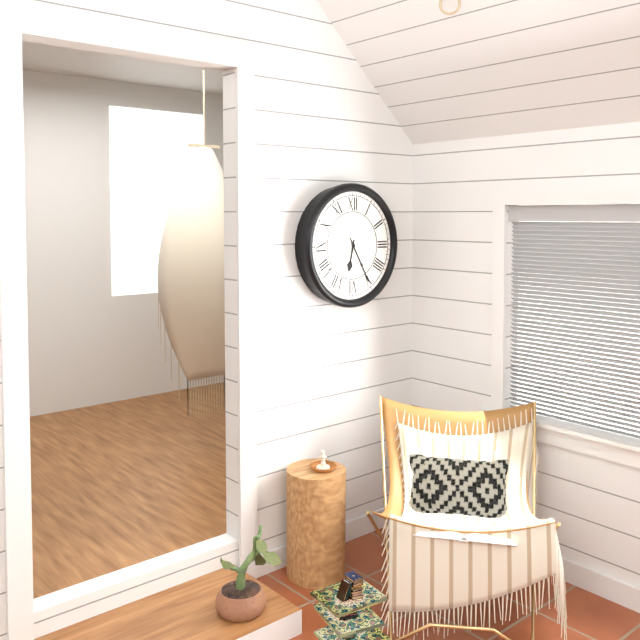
**6:25**
